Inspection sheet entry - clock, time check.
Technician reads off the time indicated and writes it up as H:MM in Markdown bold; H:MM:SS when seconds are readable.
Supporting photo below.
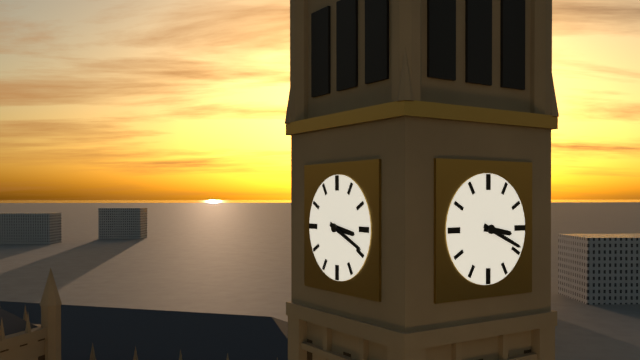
**3:19**
